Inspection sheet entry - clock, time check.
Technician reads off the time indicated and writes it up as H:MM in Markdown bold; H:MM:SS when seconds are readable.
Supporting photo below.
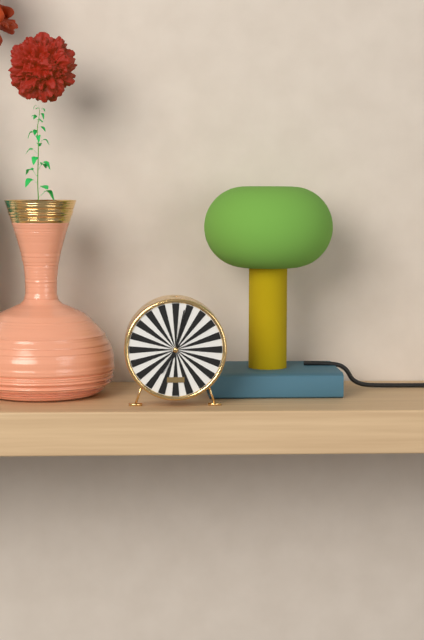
**7:02**
